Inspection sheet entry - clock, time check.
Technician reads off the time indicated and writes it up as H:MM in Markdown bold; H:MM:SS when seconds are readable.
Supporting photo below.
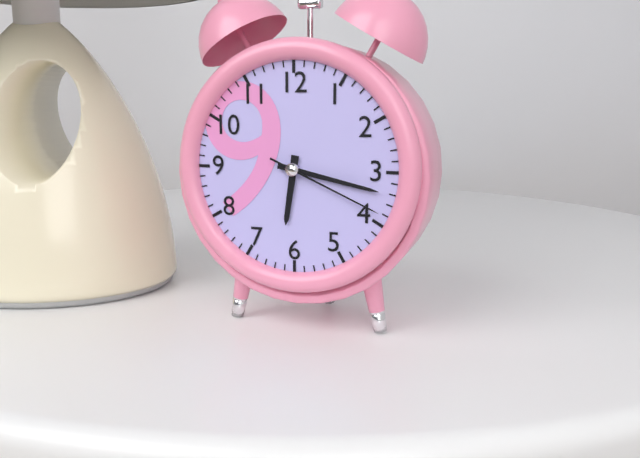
**6:17:19**
